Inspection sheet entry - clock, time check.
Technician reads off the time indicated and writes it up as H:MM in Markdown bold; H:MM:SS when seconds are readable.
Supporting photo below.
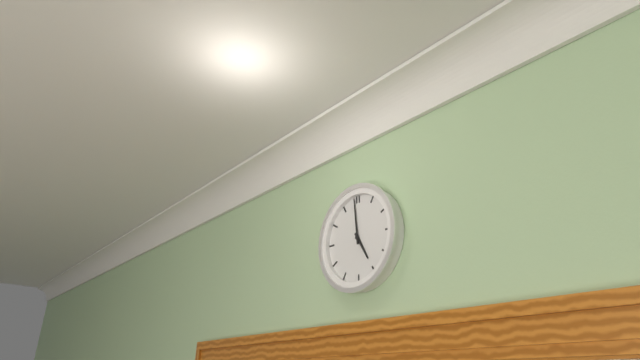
**4:59**
